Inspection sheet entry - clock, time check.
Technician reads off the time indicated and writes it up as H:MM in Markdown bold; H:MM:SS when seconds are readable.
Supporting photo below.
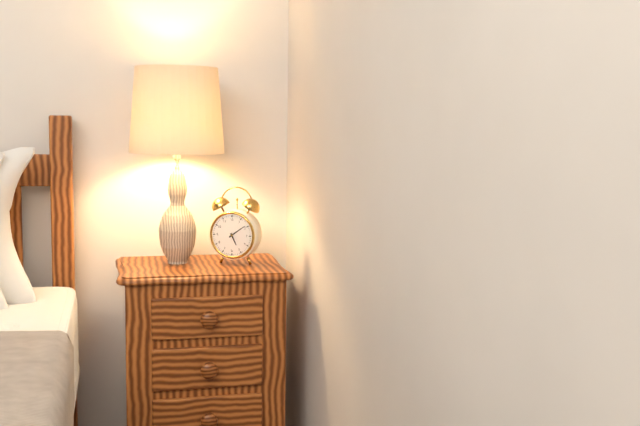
**5:09**
